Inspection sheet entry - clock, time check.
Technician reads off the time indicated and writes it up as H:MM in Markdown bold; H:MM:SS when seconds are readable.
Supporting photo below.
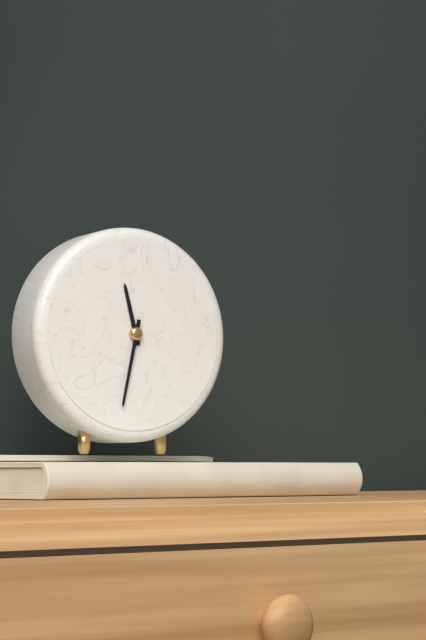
**11:32**
